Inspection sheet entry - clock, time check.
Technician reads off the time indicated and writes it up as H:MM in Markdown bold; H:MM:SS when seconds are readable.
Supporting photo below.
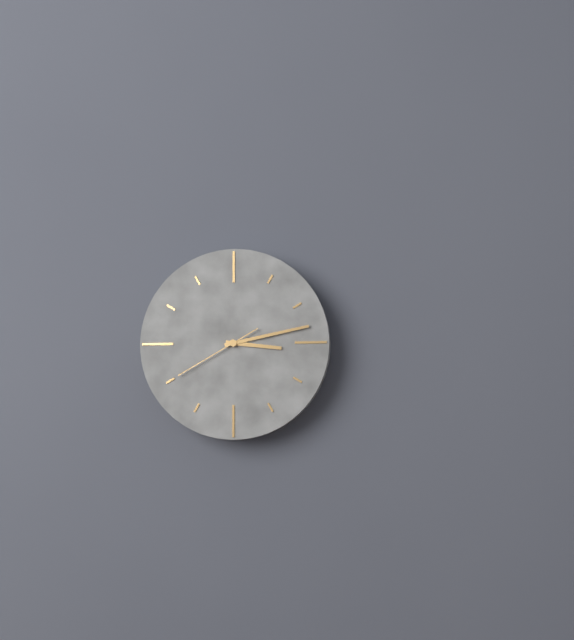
**3:13:40**
